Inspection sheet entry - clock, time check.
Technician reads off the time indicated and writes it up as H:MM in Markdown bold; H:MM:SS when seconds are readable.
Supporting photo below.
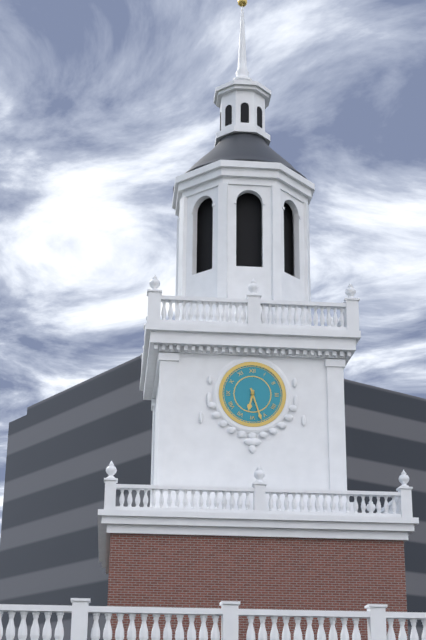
**6:27**
